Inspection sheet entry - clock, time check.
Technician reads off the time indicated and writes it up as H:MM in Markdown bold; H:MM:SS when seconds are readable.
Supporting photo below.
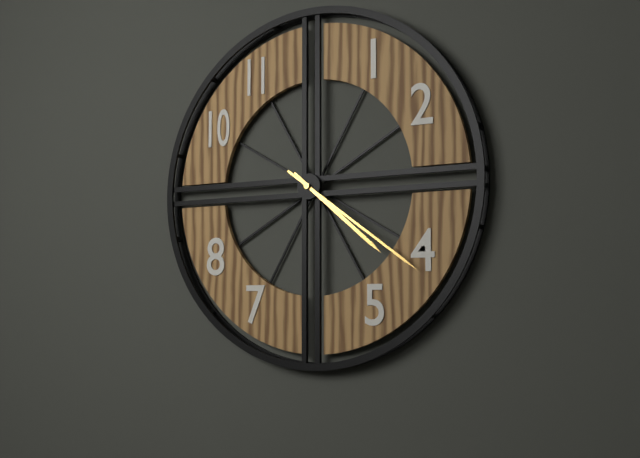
**4:21**
